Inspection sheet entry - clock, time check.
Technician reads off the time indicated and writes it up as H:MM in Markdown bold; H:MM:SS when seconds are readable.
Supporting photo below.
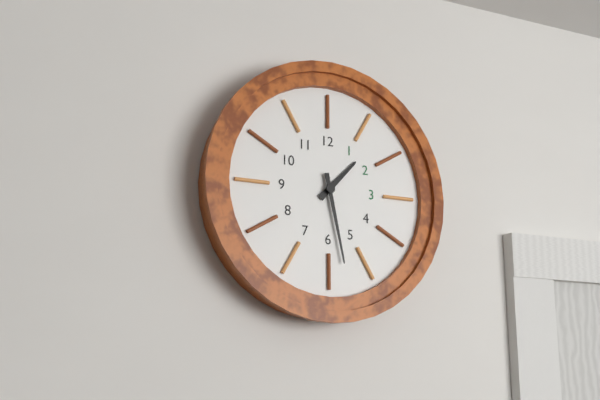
**1:28**
